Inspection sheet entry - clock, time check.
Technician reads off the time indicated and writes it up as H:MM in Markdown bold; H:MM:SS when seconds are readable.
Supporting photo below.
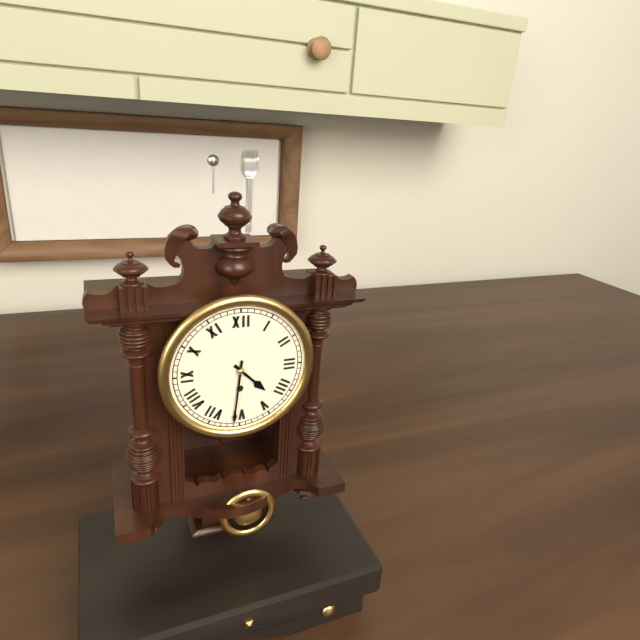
**4:31**
